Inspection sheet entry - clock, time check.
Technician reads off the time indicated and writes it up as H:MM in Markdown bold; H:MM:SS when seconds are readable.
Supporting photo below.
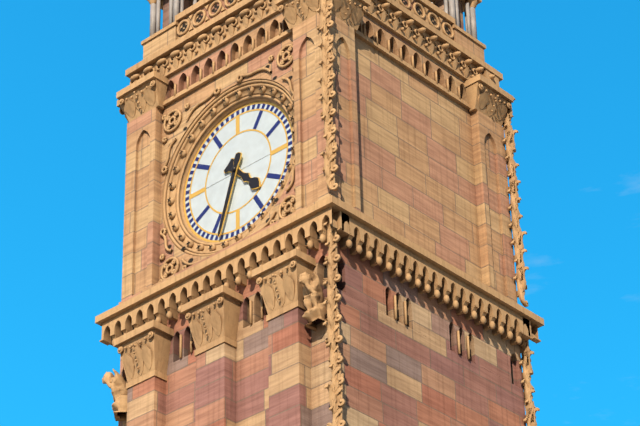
**4:33**
